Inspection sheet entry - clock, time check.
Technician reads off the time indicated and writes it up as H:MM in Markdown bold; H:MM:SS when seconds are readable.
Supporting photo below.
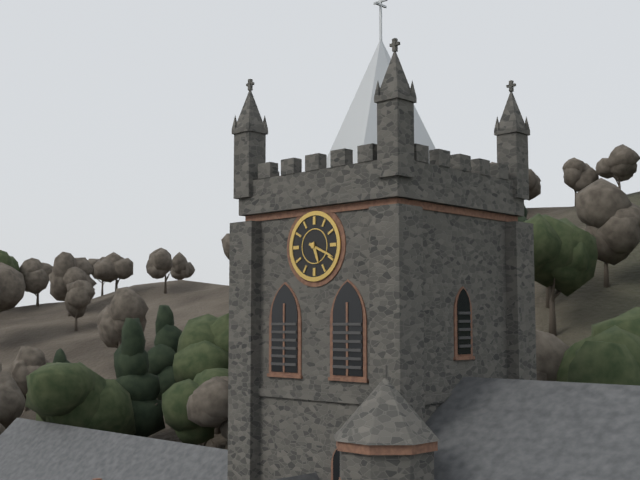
**5:19**
